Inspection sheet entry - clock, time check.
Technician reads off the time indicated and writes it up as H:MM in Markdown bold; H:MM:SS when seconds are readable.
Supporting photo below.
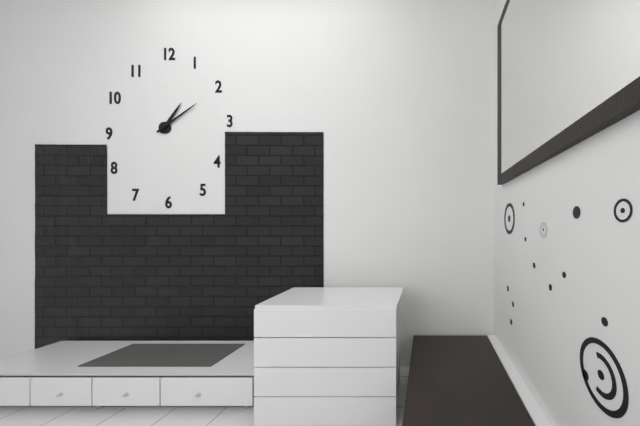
**1:09**
